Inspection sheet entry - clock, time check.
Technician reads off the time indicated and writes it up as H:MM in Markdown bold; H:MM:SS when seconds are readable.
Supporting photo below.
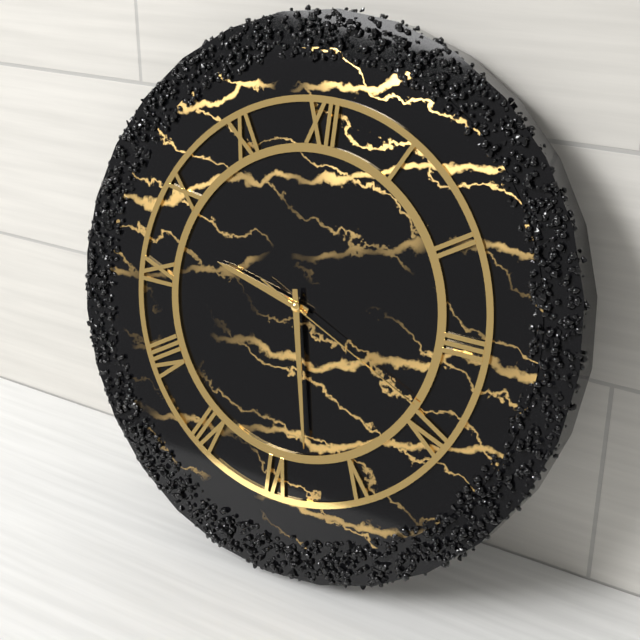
**9:28:19**
